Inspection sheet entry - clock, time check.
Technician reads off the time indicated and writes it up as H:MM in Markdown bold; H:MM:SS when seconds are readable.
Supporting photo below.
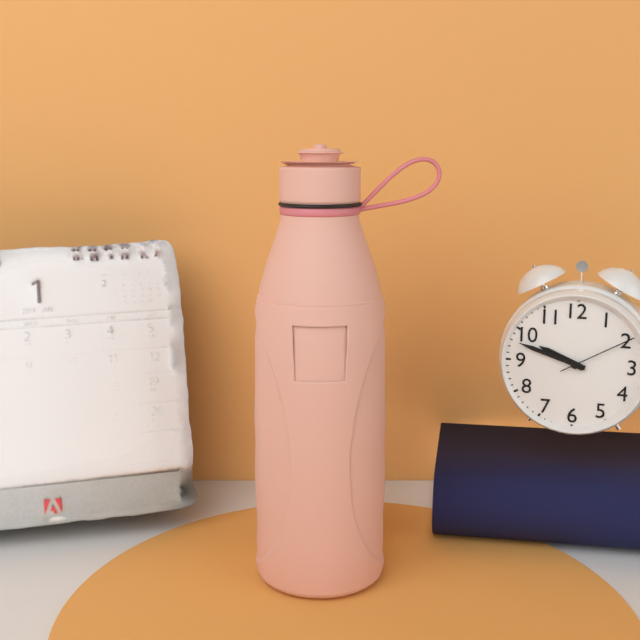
**9:48:10**
